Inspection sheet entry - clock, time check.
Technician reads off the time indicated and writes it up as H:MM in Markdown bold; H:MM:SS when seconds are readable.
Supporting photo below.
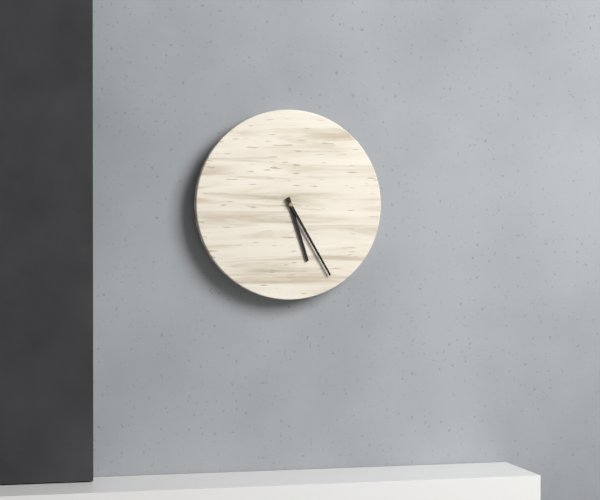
**5:25**
